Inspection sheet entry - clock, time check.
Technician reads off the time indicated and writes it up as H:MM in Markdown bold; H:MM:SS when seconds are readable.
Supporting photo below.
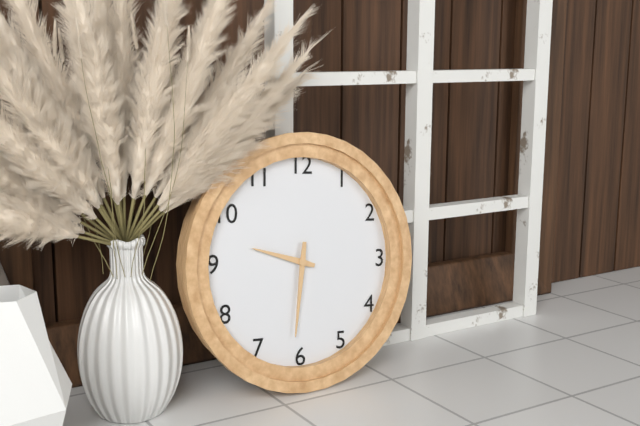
**9:31**
